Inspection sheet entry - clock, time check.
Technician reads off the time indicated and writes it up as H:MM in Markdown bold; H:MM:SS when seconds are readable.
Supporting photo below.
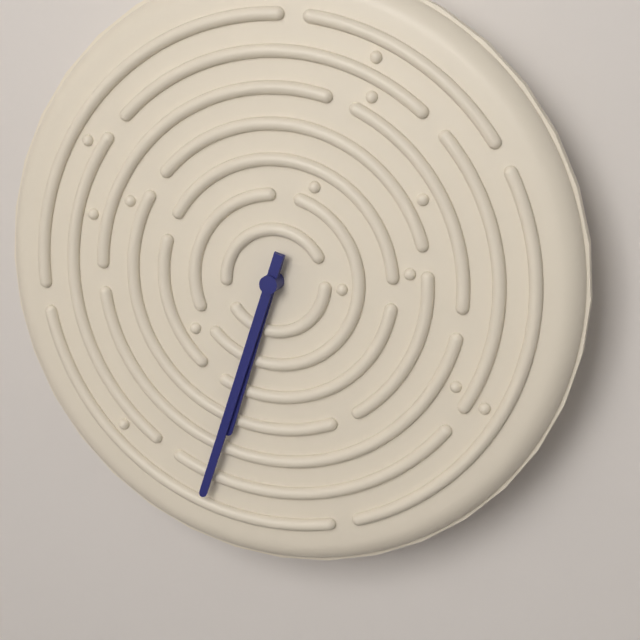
**6:33**
